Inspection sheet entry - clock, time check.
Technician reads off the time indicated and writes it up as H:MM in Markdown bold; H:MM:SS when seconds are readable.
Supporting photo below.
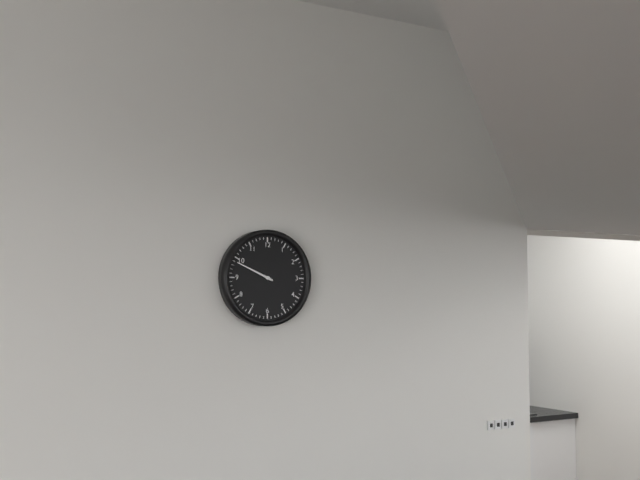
**9:49**
